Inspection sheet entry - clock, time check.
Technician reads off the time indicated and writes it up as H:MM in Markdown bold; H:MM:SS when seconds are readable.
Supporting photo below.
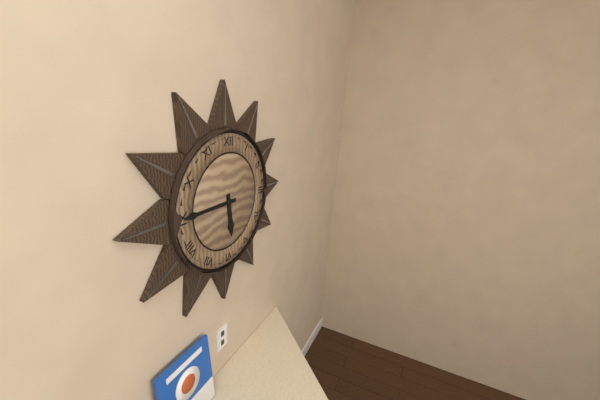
**5:45**
